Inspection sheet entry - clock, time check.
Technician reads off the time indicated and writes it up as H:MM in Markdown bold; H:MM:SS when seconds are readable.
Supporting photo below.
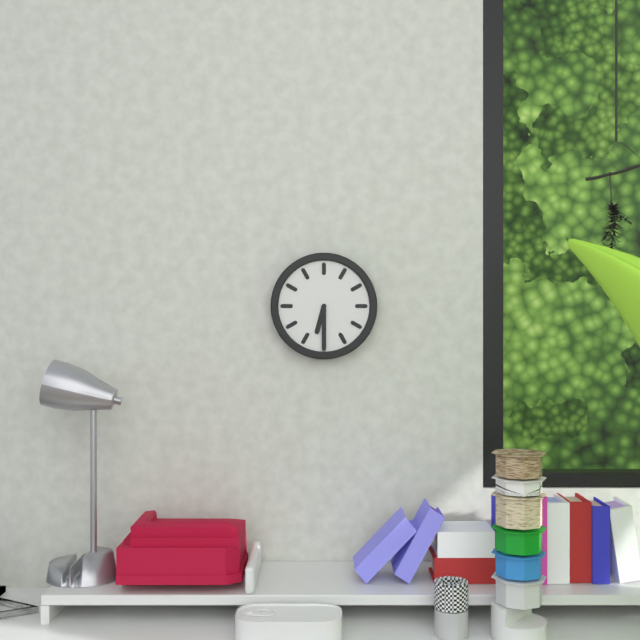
**6:30**
